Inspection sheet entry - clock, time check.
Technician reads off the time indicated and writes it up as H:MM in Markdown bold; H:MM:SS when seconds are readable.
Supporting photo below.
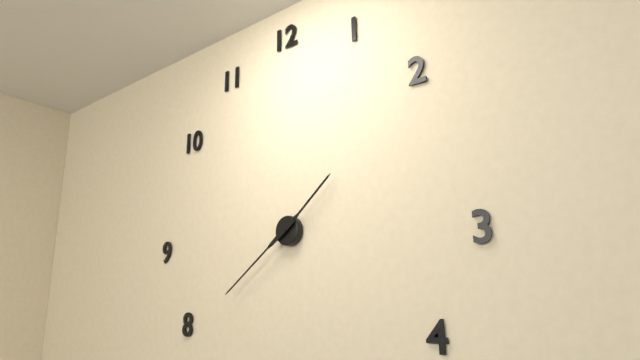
**1:39**
